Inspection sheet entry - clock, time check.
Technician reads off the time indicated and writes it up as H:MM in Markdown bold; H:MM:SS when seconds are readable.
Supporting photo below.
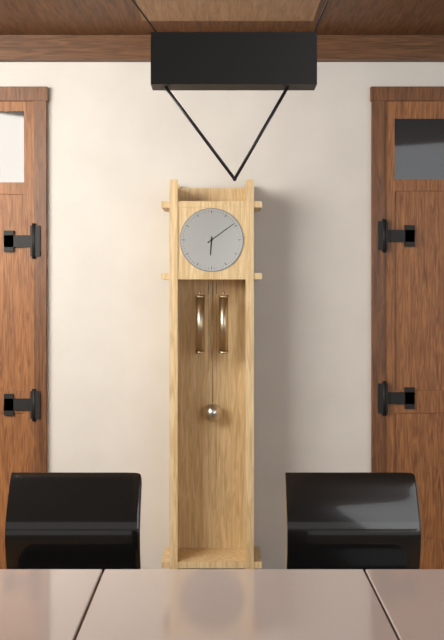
**6:09**
